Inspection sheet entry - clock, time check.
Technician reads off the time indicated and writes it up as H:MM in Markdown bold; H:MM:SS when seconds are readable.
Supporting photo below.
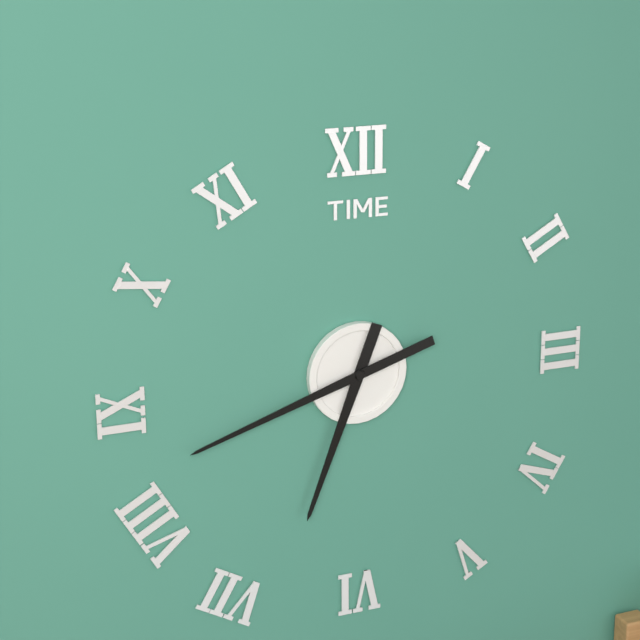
**6:42**
